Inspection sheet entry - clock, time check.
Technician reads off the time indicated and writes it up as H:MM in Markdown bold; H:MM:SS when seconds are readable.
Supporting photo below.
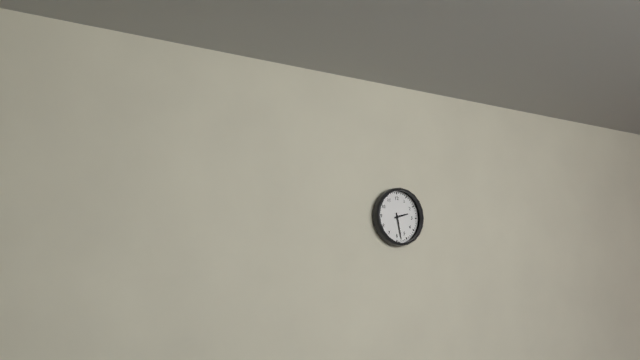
**2:28**
